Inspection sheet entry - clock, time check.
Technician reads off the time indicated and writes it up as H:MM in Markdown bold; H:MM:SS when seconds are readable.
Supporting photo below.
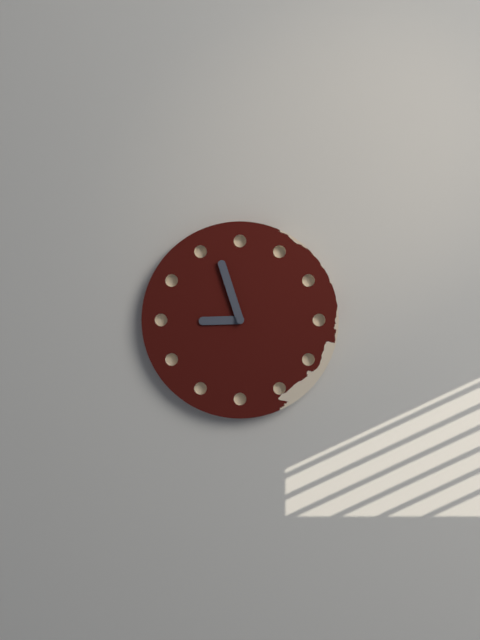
**8:57**
